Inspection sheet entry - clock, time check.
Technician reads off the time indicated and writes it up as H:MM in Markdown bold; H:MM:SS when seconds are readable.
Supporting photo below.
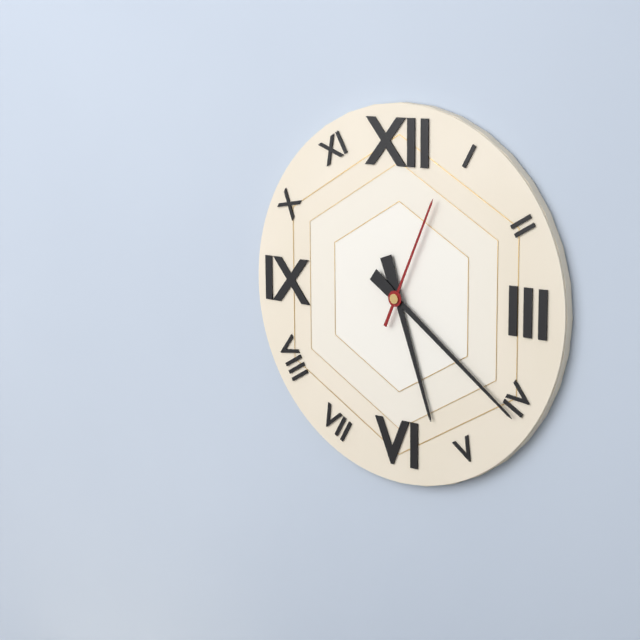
**5:21:04**
